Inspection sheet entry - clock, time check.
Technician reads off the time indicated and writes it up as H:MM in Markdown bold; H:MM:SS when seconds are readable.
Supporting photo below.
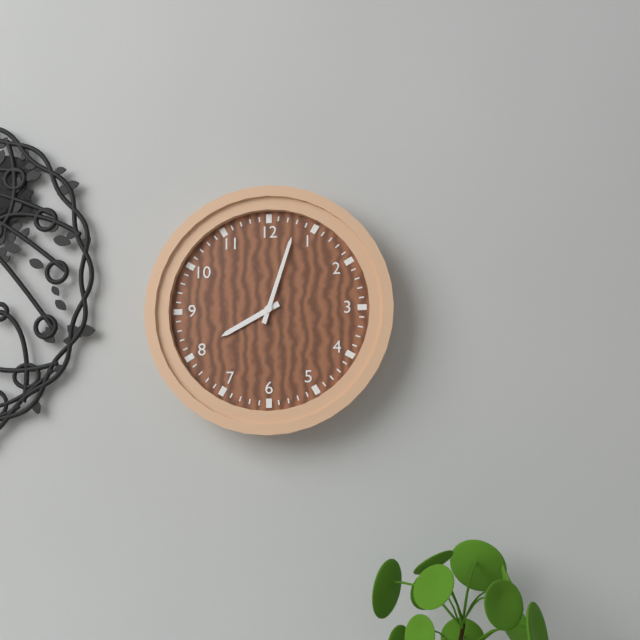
**8:03**
